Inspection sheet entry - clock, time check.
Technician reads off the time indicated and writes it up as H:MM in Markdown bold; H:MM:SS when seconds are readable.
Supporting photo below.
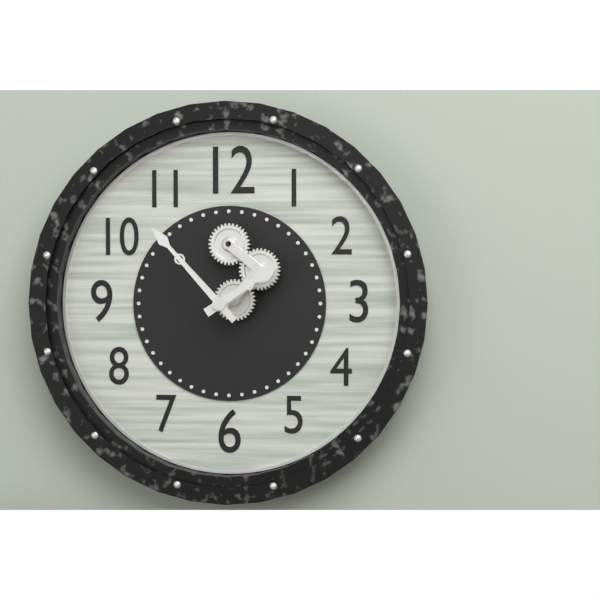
**1:53**
